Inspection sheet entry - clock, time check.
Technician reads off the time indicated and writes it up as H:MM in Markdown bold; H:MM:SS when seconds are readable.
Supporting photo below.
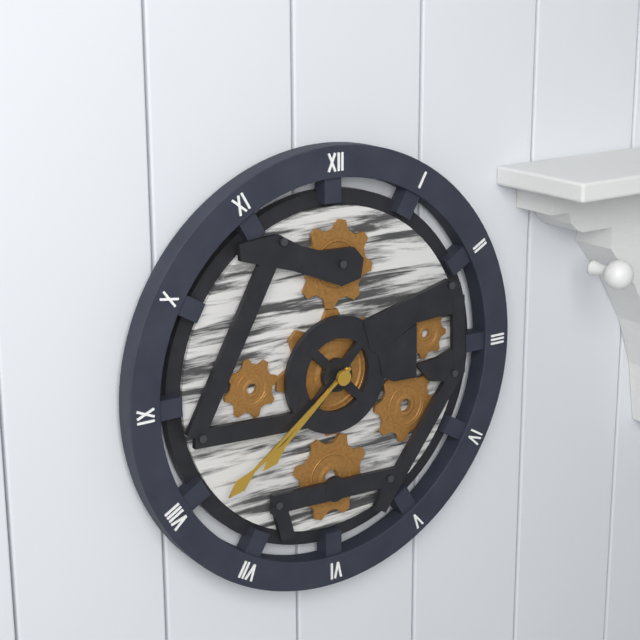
**7:39**
